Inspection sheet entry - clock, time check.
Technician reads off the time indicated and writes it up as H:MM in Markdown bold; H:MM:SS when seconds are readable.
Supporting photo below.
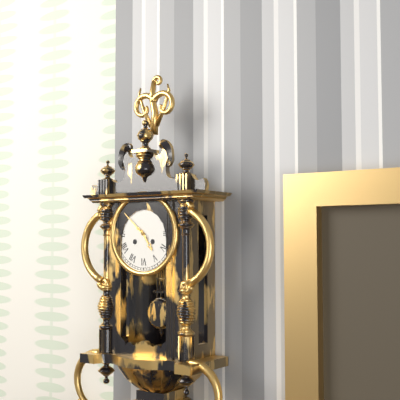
**4:52**
